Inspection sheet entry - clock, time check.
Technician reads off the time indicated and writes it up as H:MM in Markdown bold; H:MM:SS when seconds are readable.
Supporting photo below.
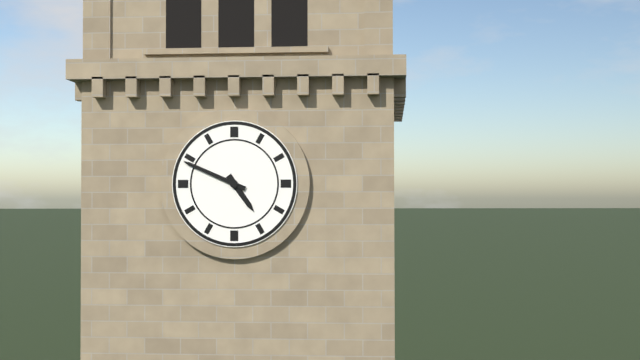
**4:49**
